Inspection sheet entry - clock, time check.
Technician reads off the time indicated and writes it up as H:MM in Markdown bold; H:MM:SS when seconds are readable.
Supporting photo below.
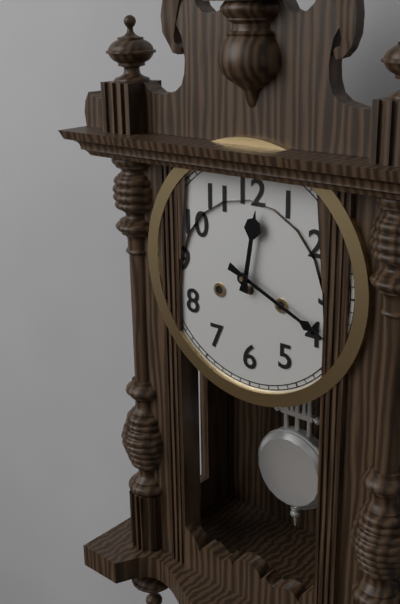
**12:19**
